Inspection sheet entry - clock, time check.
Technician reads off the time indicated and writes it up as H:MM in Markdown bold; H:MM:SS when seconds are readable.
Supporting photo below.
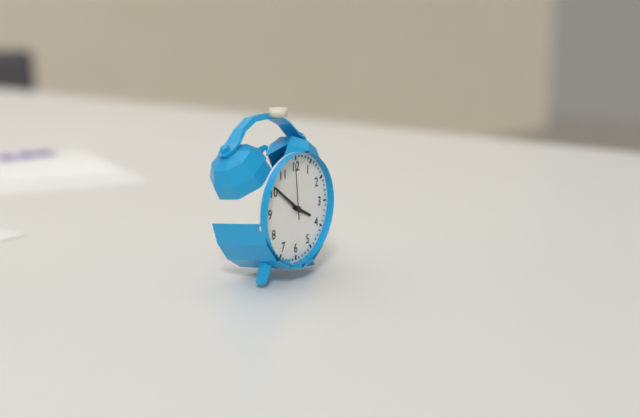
**3:51:59**
